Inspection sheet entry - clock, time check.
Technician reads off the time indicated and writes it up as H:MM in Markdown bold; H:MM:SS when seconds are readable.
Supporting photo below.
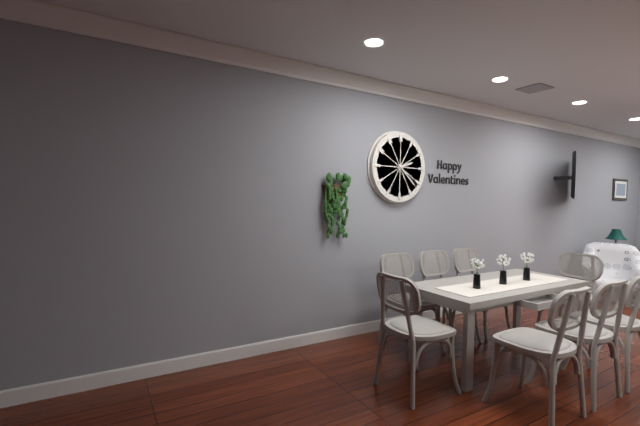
**2:22**
